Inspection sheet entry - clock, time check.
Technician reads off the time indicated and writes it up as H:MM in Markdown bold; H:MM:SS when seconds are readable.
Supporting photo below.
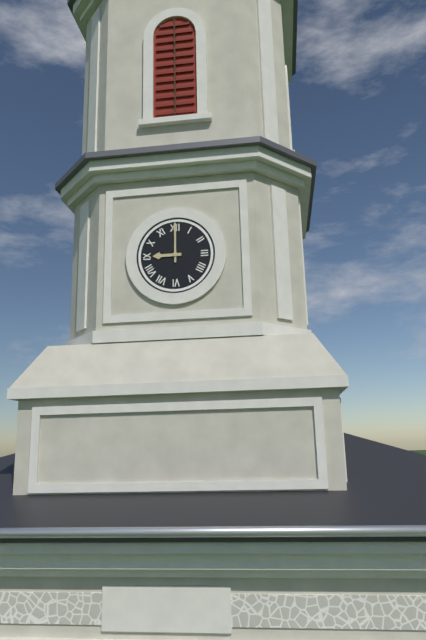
**9:00**
